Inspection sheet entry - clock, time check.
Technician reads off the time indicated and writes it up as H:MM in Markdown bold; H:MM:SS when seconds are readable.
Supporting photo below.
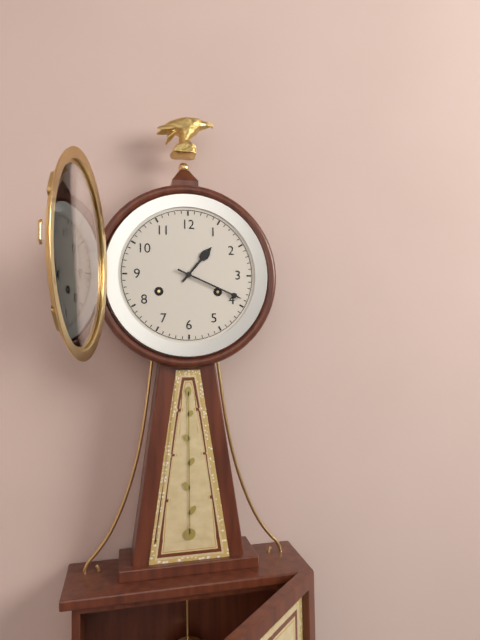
**1:19**
